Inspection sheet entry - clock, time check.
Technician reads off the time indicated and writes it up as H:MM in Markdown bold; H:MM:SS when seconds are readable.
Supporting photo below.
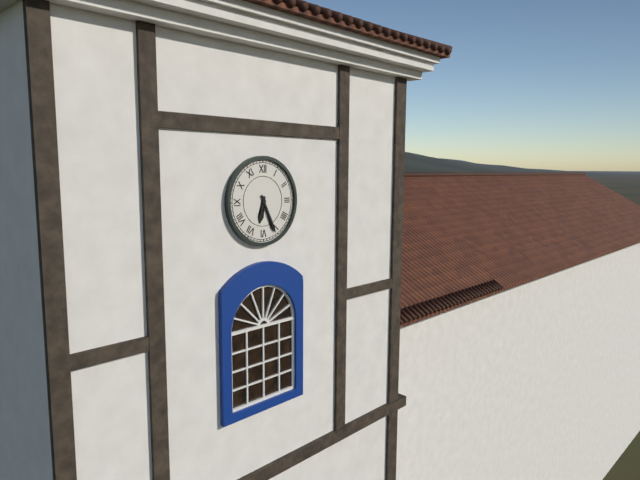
**6:26**
